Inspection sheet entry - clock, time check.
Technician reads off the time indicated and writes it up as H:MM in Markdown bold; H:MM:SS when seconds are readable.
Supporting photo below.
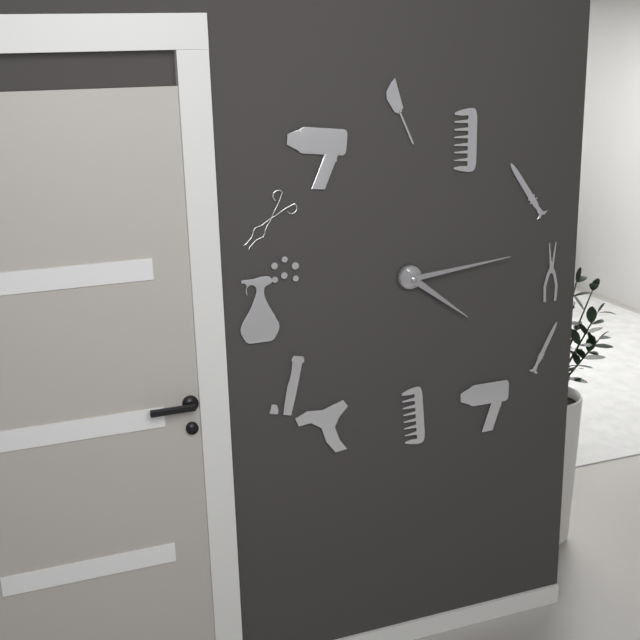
**4:14**
